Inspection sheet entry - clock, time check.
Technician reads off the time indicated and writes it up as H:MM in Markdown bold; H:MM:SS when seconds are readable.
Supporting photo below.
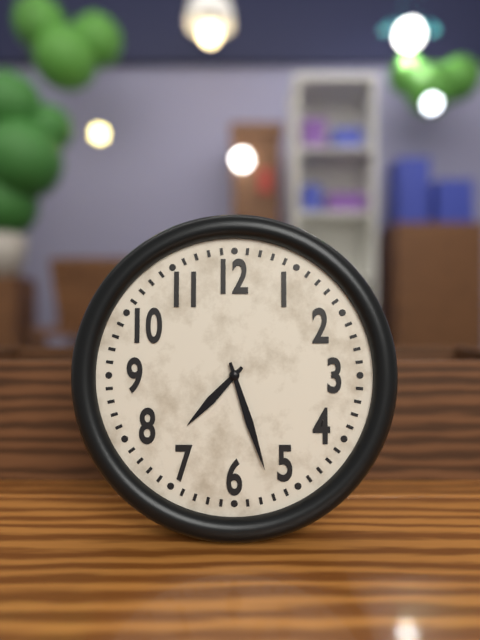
**7:27**
